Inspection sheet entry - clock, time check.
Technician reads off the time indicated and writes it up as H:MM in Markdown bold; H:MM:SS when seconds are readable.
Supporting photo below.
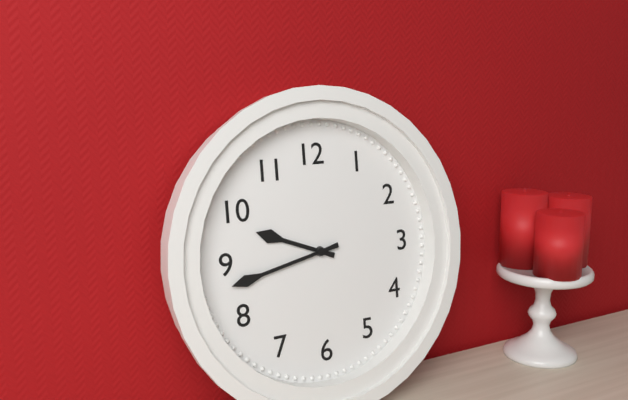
**9:43**
